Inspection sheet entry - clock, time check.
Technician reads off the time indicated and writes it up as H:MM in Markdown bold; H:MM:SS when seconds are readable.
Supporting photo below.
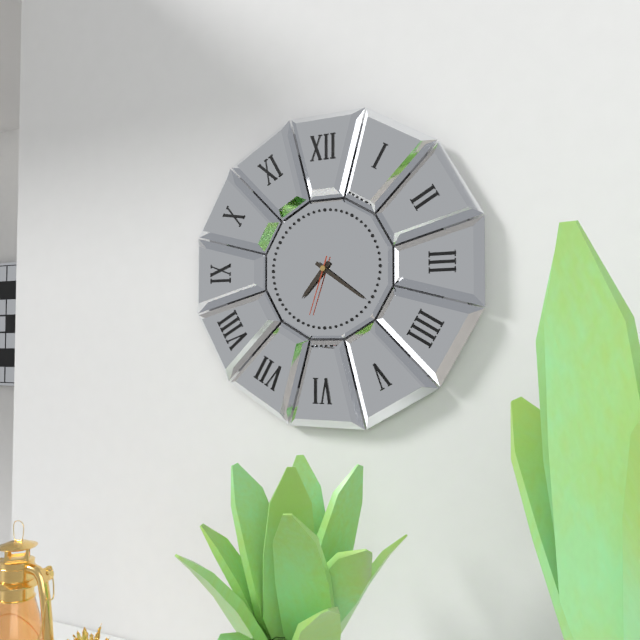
**7:21:33**
